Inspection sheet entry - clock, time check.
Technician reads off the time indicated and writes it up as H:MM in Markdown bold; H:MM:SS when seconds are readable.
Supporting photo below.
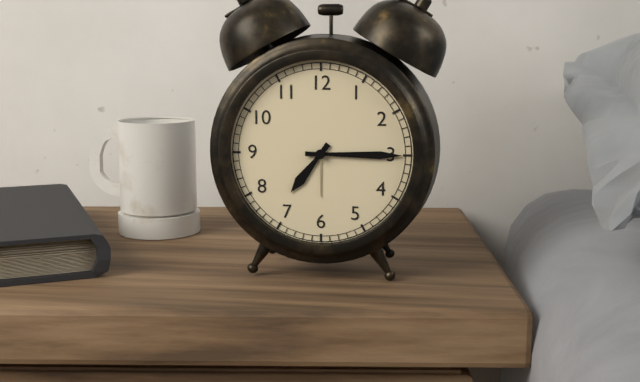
**7:15**
